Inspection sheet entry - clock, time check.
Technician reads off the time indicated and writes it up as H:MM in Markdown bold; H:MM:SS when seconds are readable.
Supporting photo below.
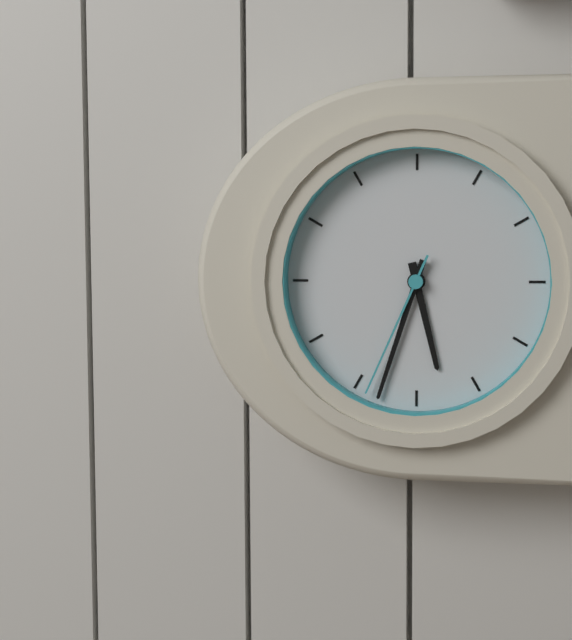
**5:33:34**
